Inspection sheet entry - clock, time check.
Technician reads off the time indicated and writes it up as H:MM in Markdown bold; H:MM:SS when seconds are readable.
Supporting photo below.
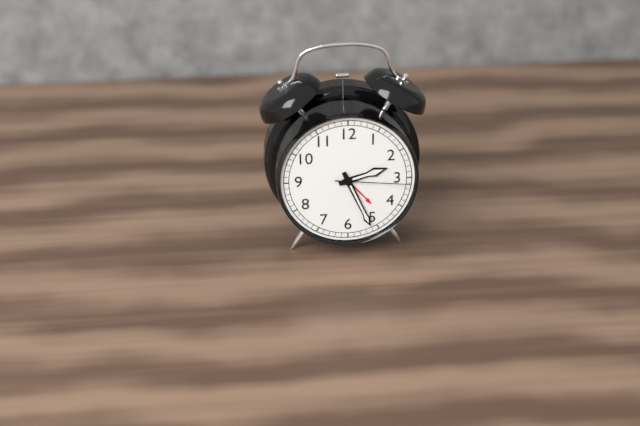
**2:26:16**
